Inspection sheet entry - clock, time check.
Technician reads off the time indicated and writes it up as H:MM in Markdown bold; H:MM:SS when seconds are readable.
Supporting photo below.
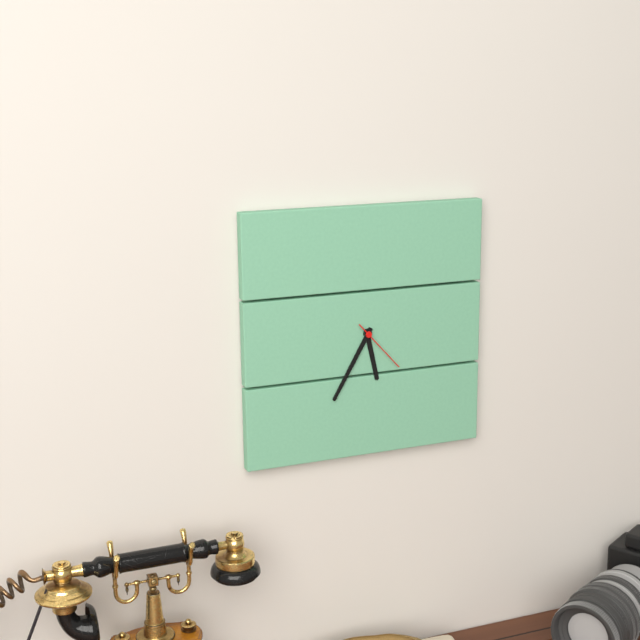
**5:35:23**
